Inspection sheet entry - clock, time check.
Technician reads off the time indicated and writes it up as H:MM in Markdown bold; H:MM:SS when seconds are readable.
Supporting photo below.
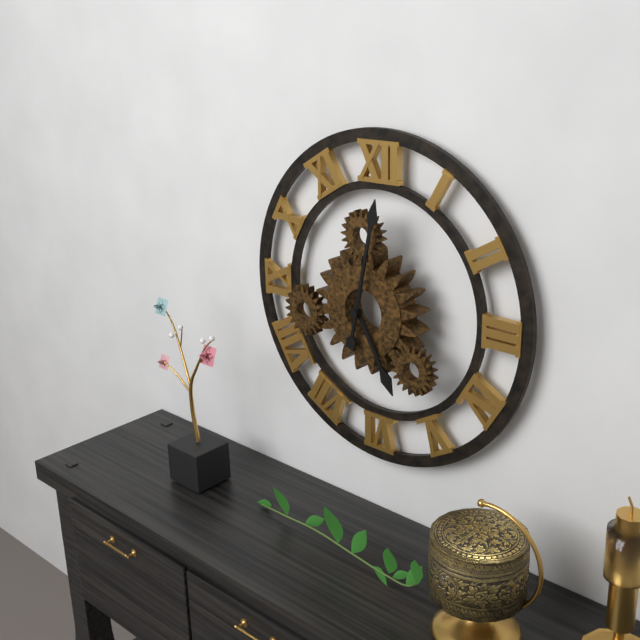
**5:02**
